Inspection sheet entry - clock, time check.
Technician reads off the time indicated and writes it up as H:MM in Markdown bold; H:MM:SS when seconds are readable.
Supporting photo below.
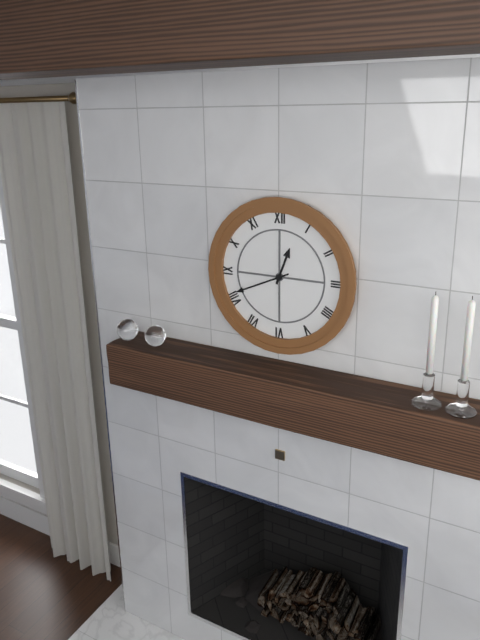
**12:41**
